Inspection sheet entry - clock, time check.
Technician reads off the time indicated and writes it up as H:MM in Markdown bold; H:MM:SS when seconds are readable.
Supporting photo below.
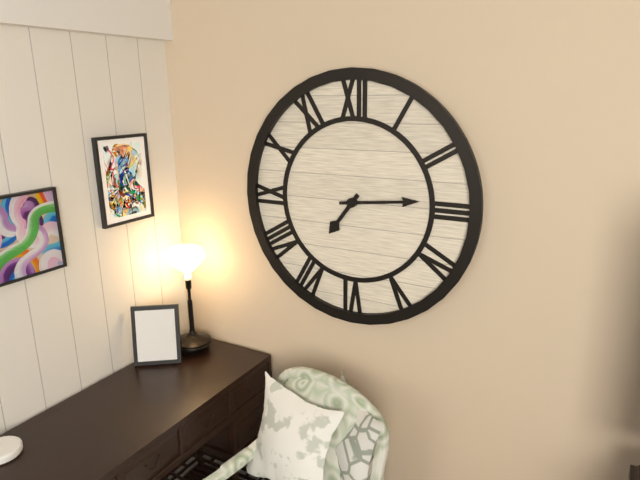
**7:14**
